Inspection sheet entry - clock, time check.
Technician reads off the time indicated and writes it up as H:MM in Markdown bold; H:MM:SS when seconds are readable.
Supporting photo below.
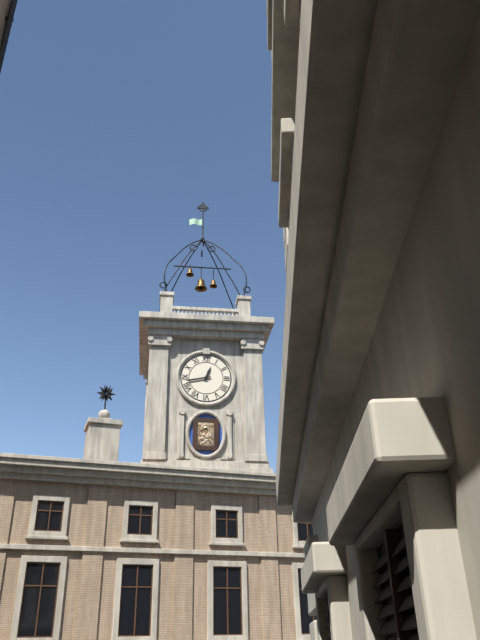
**12:43**
